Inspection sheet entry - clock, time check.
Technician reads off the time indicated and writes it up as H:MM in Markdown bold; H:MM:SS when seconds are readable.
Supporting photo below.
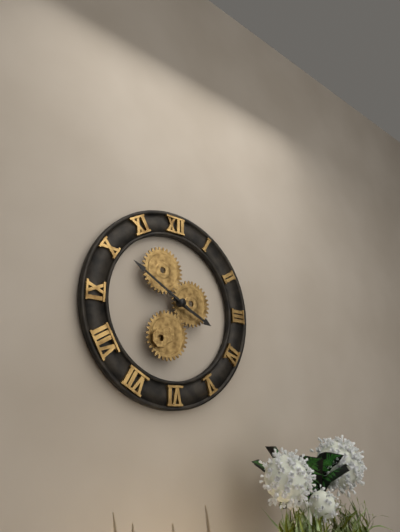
**3:50**
